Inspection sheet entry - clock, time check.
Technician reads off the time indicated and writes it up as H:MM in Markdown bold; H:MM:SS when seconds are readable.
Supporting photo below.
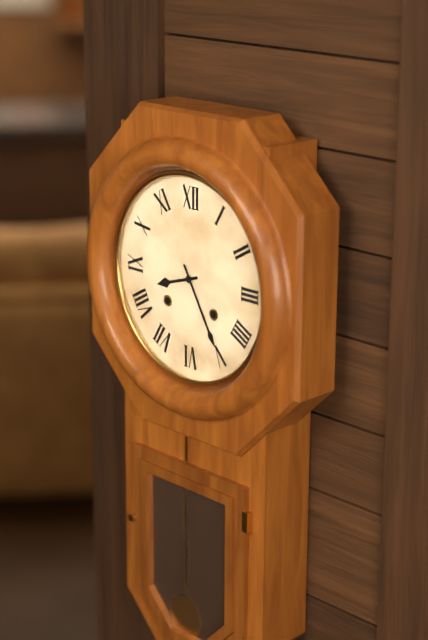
**8:25**
